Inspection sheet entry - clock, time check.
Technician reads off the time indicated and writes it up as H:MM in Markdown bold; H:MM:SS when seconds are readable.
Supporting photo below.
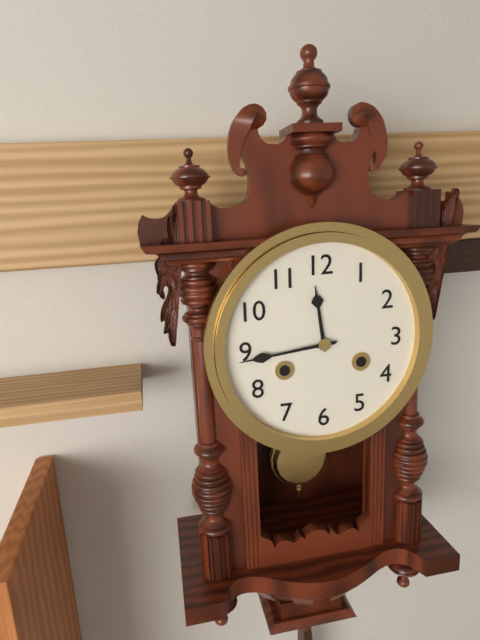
**11:44**
